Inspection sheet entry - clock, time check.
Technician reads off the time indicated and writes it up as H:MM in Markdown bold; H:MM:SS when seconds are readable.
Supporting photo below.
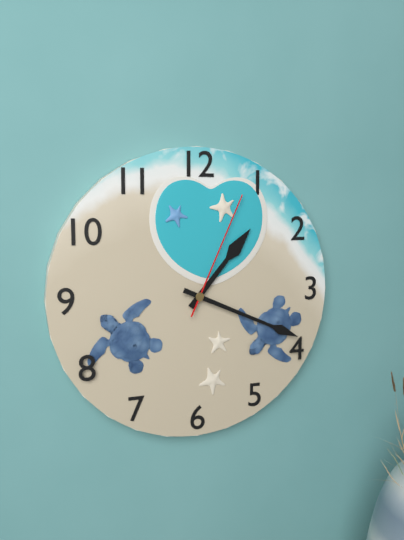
**1:19:04**
